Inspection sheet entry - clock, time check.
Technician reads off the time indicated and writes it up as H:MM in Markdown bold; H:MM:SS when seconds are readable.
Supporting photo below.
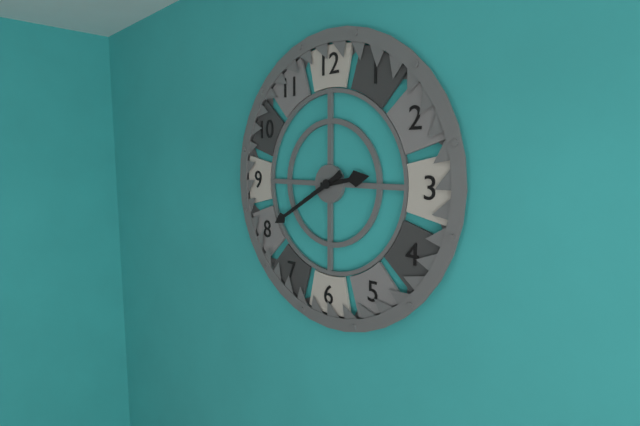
**2:40**
